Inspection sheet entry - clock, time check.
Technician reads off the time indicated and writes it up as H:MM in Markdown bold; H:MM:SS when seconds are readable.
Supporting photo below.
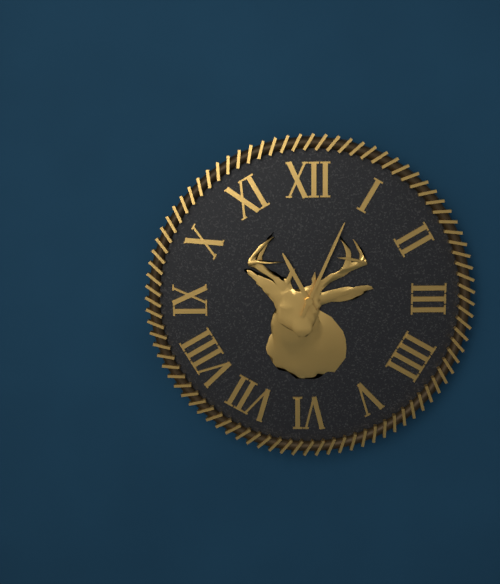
**11:04**
